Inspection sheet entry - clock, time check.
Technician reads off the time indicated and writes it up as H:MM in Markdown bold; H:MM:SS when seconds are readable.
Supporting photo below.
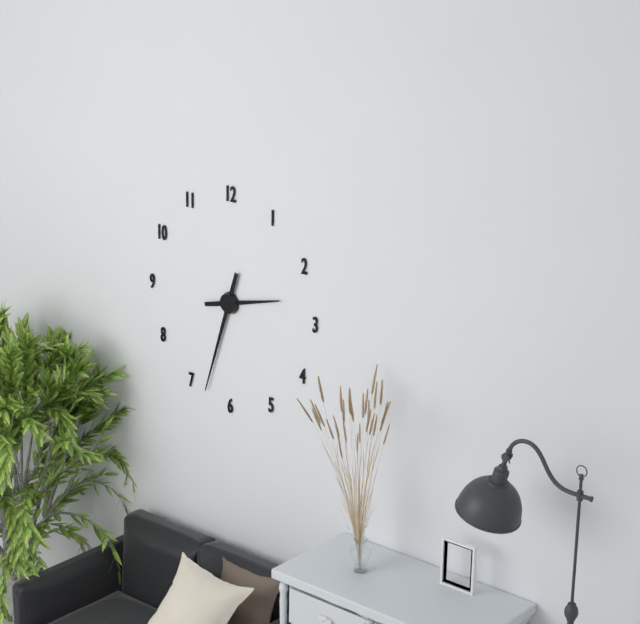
**2:33**
